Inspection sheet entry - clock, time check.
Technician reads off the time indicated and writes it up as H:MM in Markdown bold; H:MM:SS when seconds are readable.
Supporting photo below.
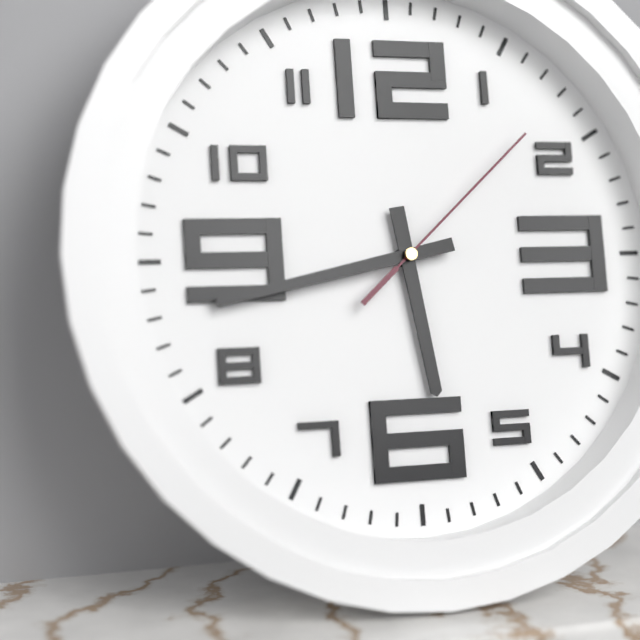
**5:43:08**
